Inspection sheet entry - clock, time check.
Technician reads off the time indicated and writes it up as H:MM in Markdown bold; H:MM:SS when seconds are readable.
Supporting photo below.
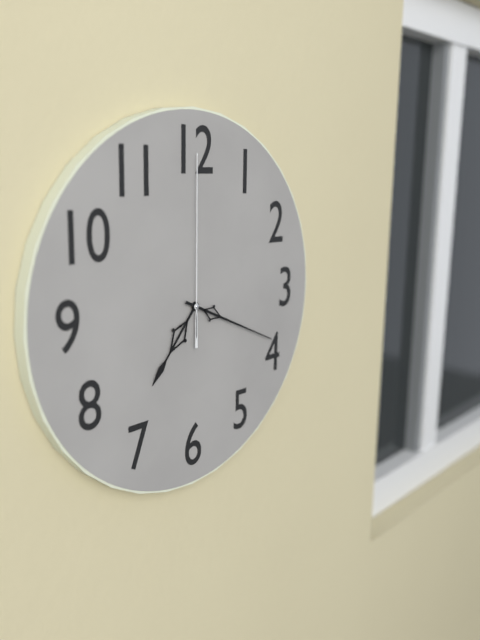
**7:19:00**
